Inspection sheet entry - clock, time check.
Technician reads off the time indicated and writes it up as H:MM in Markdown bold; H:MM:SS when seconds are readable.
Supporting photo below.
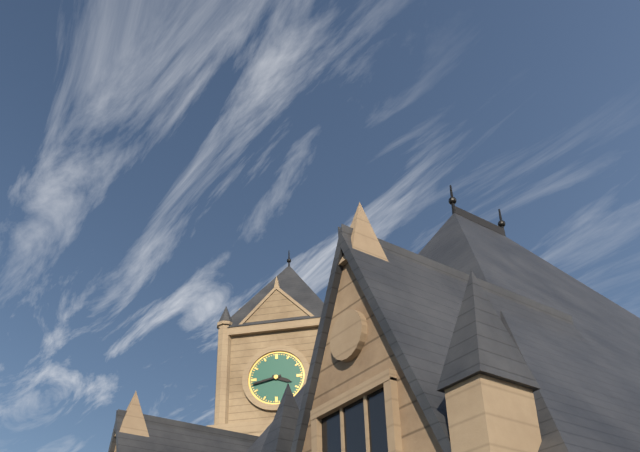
**3:43**
